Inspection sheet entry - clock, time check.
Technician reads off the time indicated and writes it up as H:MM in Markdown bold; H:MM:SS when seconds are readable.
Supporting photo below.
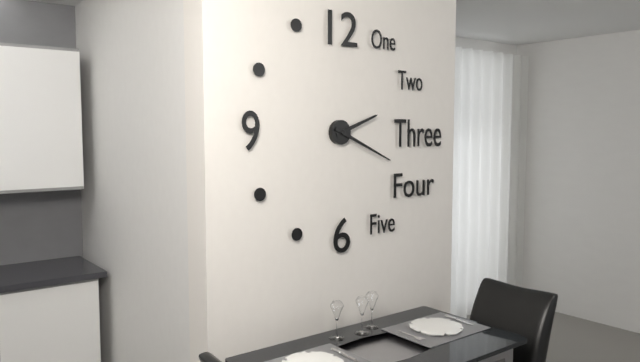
**2:19**
